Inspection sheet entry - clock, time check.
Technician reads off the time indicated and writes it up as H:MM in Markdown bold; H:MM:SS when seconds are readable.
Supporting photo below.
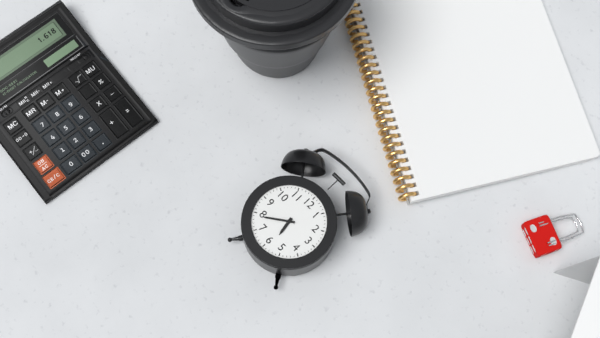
**5:39**
